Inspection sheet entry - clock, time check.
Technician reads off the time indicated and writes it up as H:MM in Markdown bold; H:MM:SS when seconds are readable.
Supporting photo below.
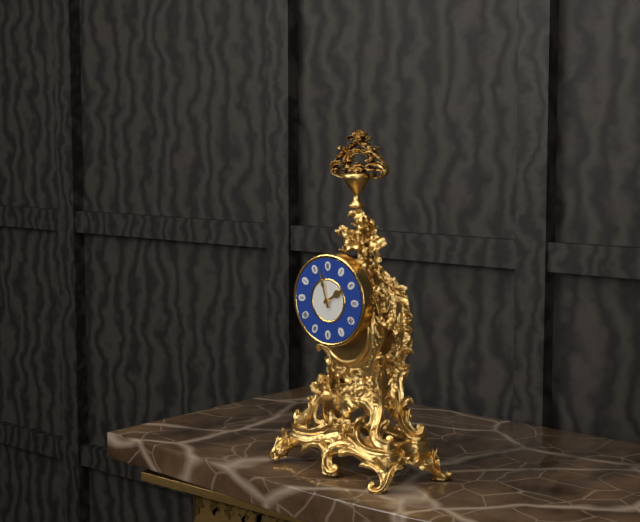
**1:57**
